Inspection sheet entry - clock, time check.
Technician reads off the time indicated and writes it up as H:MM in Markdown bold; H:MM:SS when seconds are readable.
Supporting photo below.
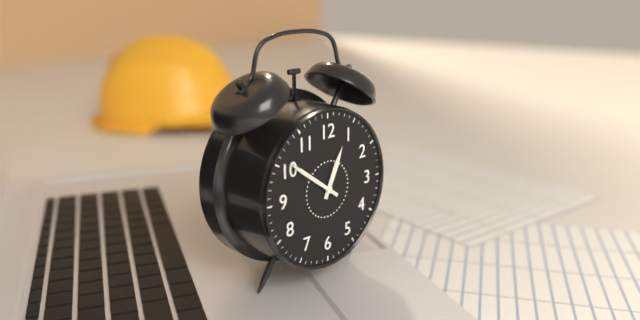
**12:51**
